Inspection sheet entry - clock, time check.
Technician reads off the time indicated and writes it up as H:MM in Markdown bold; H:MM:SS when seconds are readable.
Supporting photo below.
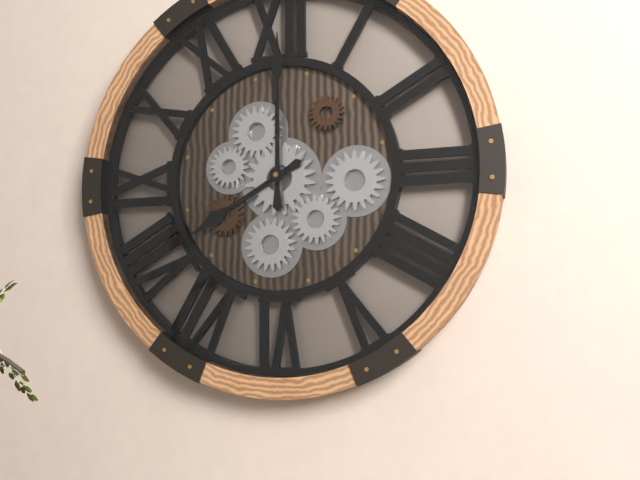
**8:00**
